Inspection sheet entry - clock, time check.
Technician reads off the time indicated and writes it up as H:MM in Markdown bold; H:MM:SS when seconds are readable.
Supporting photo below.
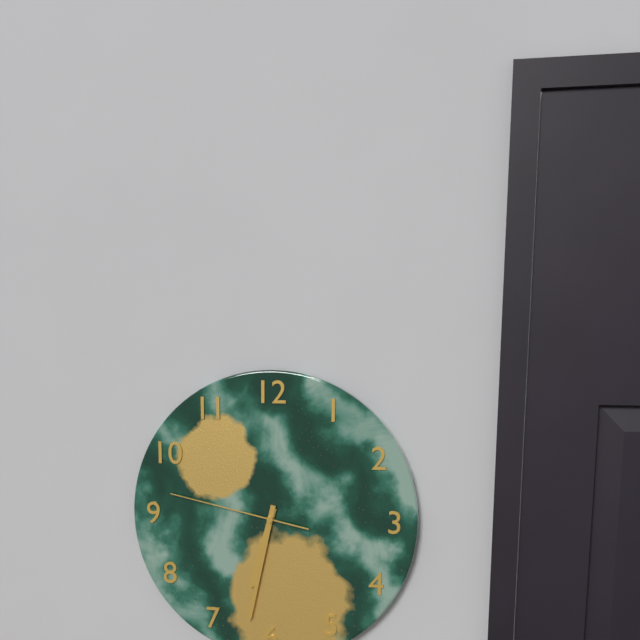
**6:32:47**
